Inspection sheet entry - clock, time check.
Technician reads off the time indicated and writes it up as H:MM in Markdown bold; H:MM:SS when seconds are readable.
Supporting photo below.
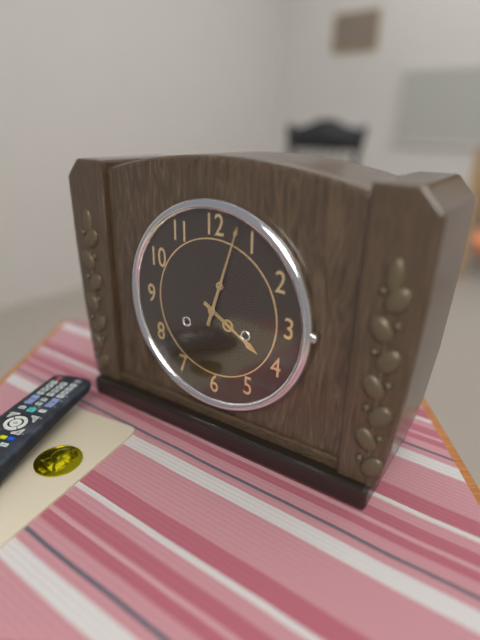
**4:03**
